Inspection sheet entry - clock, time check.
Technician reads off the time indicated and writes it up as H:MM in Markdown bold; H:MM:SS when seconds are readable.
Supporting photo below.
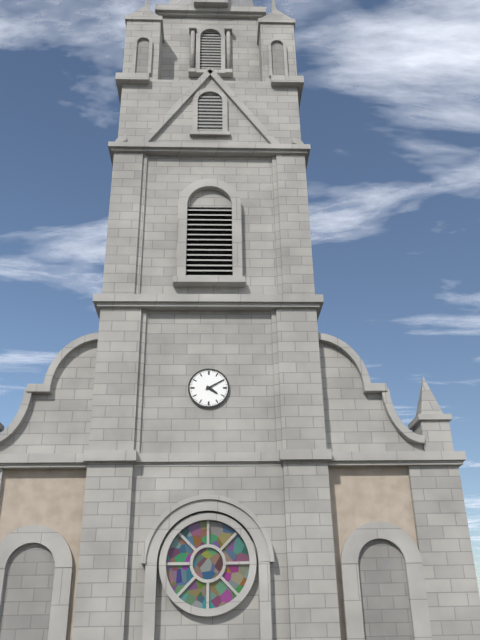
**4:10**
